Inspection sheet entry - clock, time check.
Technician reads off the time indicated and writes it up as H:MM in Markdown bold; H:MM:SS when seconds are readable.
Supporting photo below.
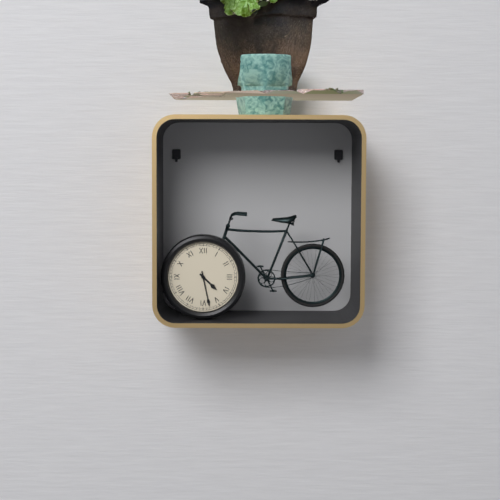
**4:28**
